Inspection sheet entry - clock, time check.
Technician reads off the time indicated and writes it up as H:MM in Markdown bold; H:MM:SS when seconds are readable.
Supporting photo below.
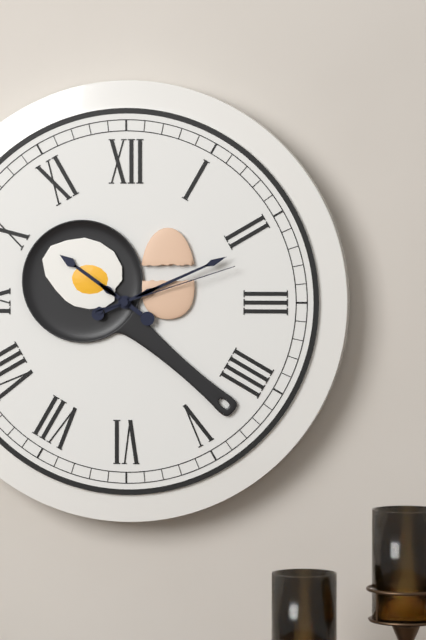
**10:11:12**
